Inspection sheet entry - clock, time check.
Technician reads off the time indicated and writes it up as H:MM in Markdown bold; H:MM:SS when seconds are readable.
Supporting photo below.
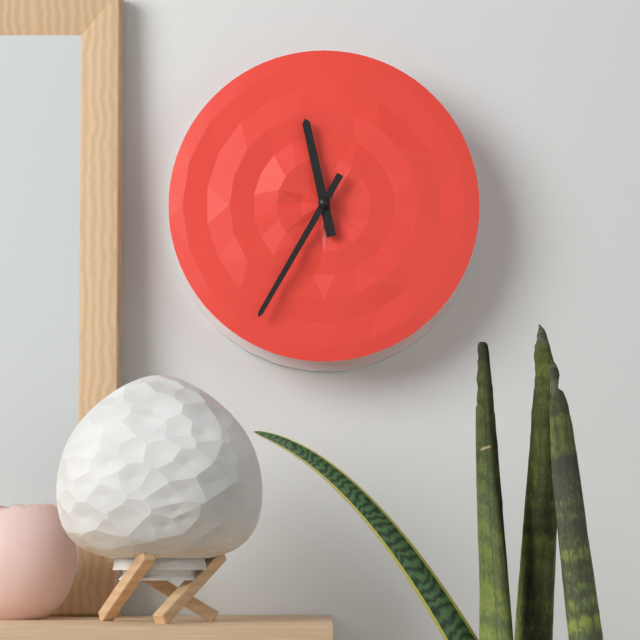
**11:35**
